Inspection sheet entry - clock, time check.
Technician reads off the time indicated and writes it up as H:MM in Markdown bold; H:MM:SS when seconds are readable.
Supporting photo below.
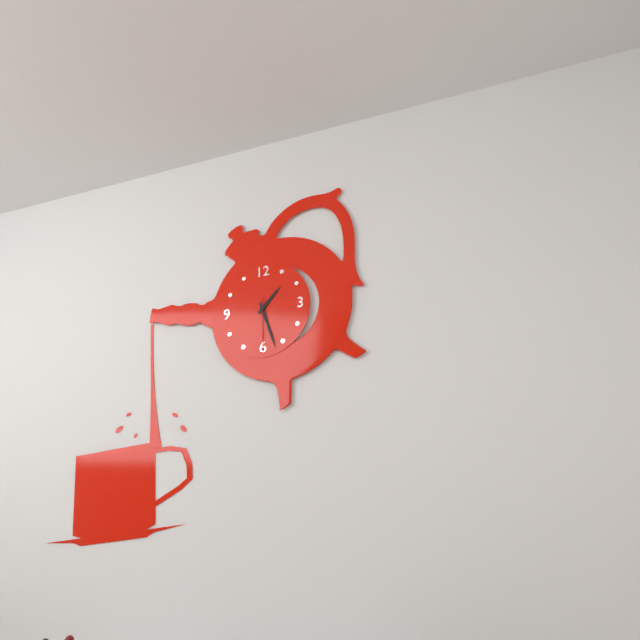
**1:27:30**
